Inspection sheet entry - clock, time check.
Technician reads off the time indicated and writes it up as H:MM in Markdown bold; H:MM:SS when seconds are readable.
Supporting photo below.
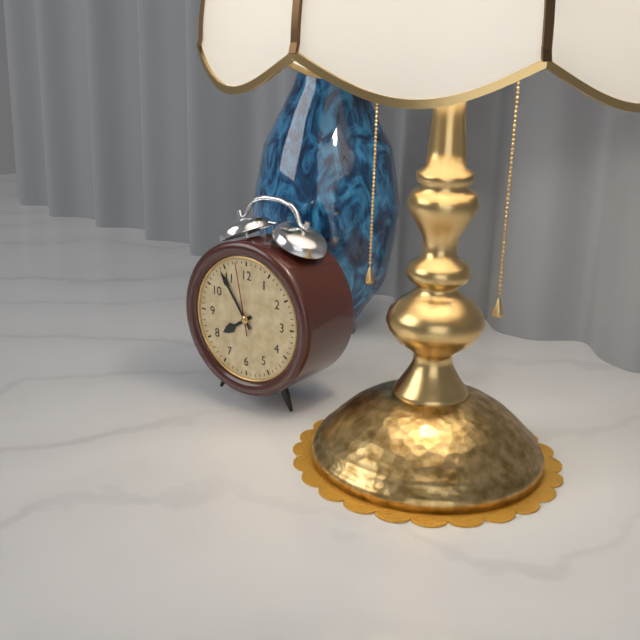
**7:54:58**
